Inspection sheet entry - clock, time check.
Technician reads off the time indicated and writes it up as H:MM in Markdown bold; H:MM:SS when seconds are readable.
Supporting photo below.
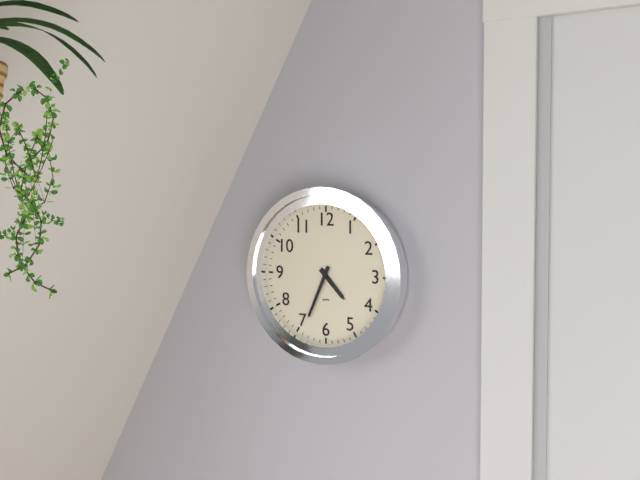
**4:34**
